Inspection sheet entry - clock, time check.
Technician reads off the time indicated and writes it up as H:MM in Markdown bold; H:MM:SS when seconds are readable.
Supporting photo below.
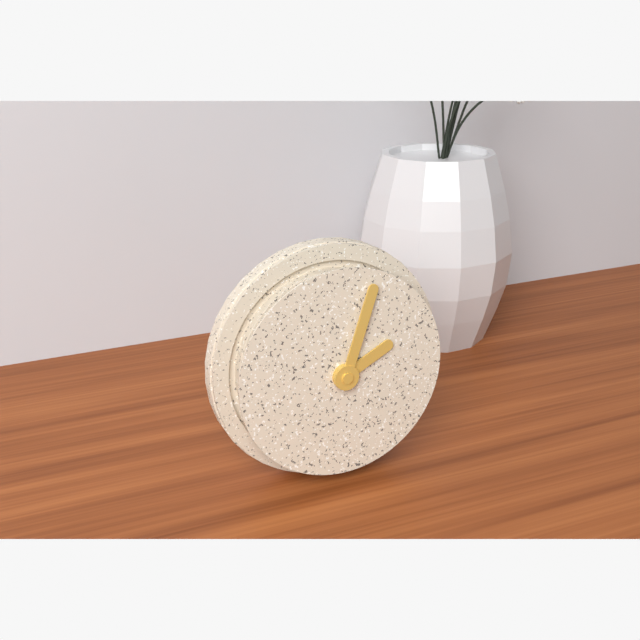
**2:03**
